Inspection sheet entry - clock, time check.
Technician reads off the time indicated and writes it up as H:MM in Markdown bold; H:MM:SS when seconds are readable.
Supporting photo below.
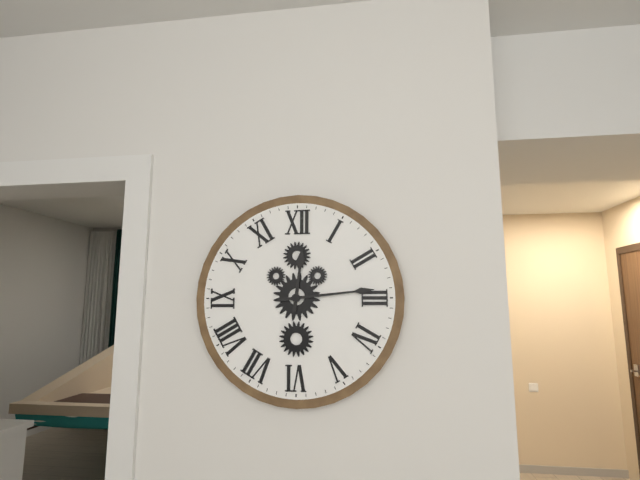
**12:14**
